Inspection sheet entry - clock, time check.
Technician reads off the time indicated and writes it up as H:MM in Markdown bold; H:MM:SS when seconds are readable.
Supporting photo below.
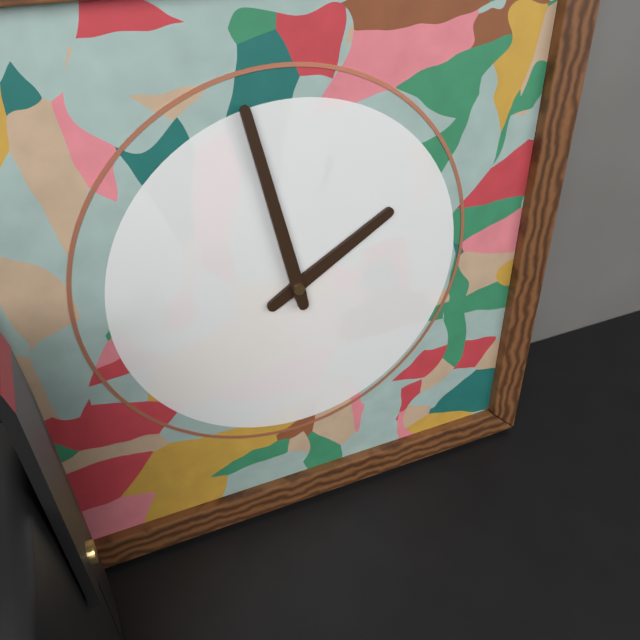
**1:58**
